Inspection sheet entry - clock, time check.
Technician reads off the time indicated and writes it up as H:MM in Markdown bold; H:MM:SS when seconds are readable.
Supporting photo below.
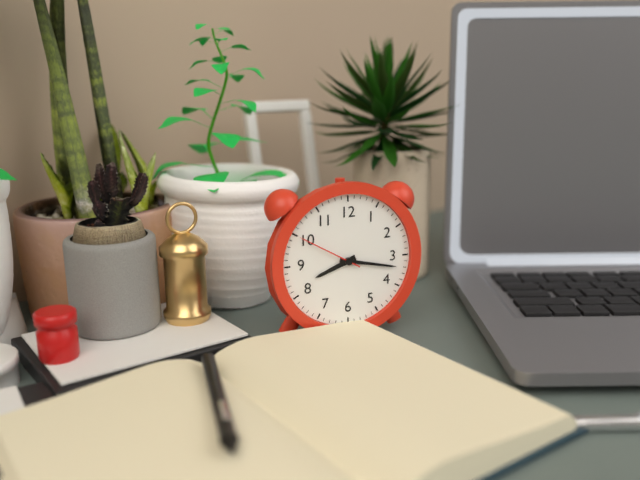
**8:17:50**
